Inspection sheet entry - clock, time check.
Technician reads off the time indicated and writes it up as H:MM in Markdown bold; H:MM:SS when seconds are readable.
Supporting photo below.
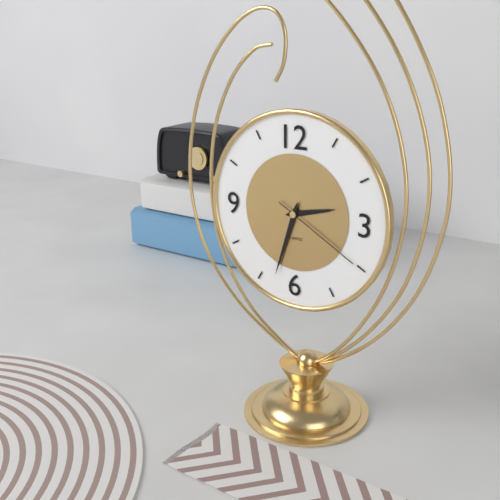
**2:33:20**
